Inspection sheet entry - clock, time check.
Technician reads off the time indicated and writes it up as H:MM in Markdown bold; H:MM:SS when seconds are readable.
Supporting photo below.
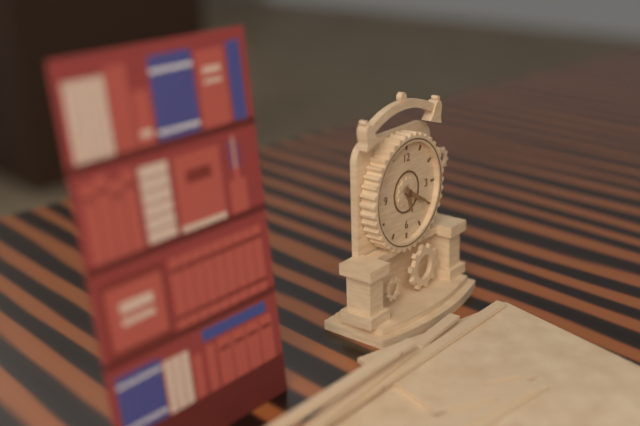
**5:20**
